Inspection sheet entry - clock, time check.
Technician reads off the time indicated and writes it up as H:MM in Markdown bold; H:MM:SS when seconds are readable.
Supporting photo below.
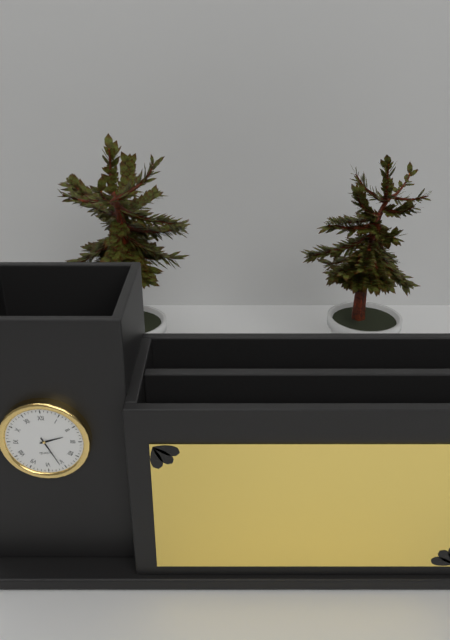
**2:26**
